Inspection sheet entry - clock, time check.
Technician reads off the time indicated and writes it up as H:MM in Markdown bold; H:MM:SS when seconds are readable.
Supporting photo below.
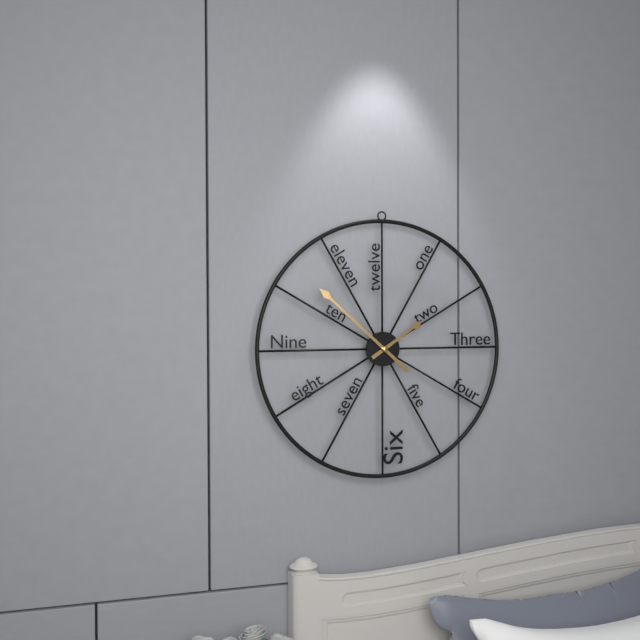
**1:52**
